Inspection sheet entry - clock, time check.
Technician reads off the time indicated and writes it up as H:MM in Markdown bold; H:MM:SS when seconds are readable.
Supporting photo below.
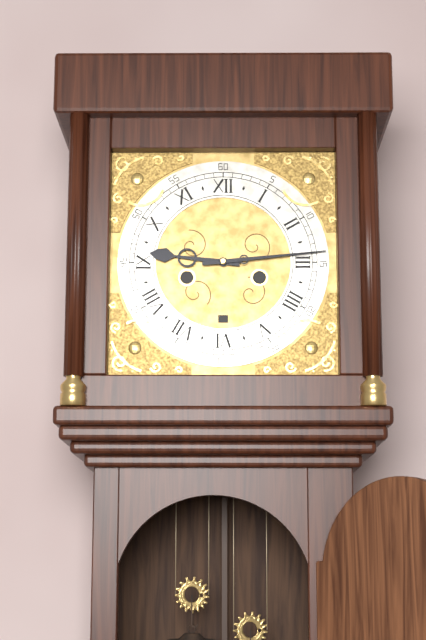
**9:14**
